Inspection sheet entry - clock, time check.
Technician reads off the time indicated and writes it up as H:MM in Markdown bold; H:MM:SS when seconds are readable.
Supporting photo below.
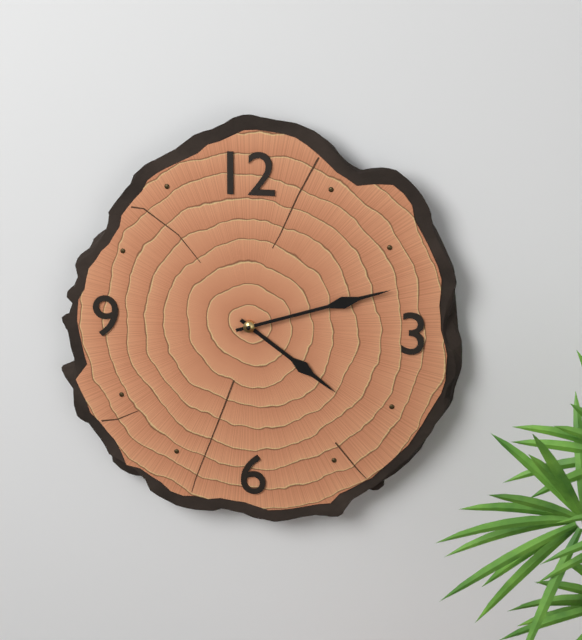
**4:12**
